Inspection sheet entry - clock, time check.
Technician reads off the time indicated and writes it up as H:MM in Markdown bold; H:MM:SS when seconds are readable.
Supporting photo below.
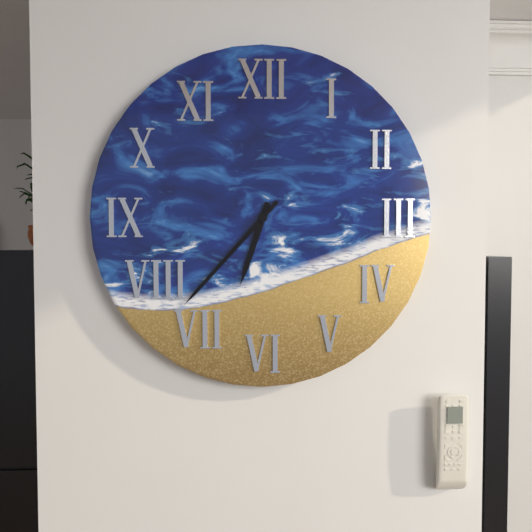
**6:37**
